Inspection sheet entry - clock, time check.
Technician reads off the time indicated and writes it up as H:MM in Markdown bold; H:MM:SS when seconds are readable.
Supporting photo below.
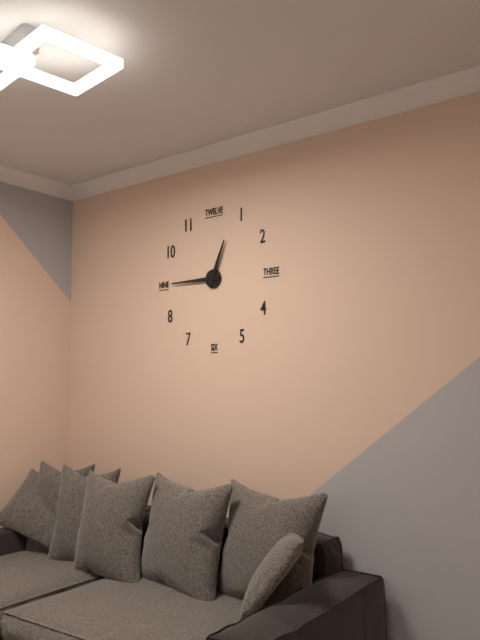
**12:45**
